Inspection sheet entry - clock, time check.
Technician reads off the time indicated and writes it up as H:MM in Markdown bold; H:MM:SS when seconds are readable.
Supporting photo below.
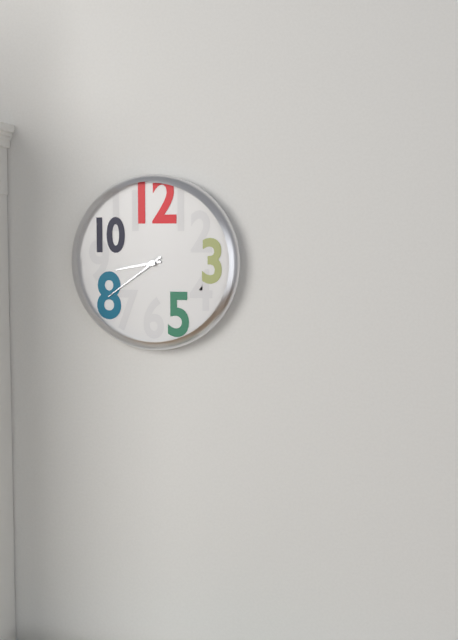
**8:39**
